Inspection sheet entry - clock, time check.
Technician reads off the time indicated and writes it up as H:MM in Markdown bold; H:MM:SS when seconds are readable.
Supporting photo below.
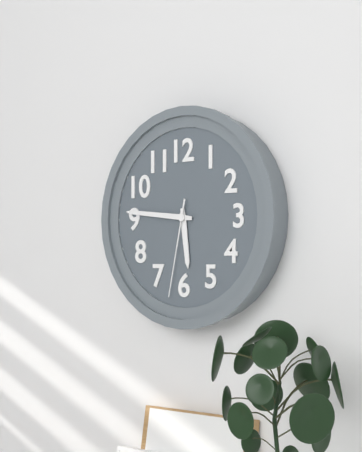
**5:46:32**
